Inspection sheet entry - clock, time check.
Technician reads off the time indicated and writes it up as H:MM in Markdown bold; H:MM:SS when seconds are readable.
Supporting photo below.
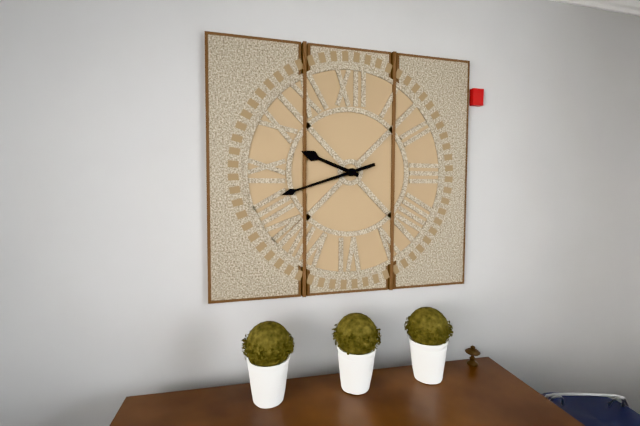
**9:42**
